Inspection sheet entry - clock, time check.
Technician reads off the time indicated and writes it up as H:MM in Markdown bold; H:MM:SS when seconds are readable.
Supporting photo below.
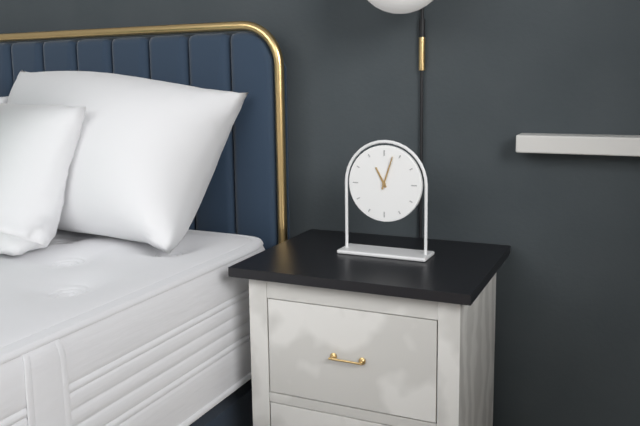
**11:03**
